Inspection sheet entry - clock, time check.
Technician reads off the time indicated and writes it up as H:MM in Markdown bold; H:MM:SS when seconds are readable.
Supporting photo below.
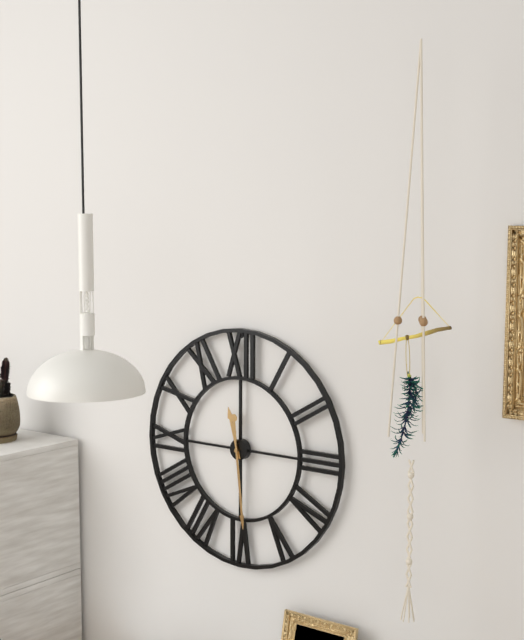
**11:29**
